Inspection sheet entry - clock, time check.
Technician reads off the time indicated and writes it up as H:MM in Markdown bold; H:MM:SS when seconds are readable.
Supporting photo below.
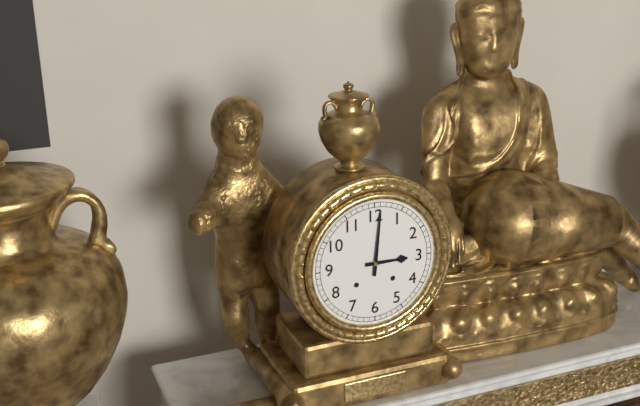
**3:01**
